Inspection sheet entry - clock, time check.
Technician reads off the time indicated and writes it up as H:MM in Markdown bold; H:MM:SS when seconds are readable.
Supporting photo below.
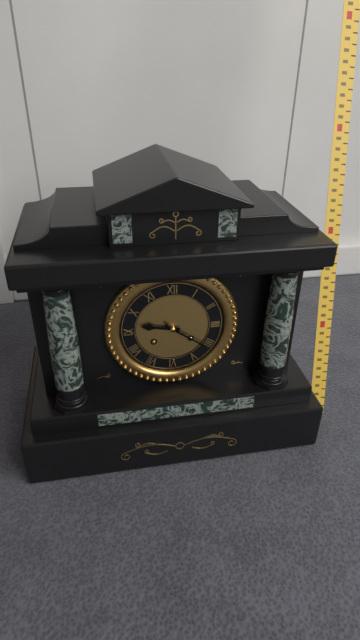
**9:21**
